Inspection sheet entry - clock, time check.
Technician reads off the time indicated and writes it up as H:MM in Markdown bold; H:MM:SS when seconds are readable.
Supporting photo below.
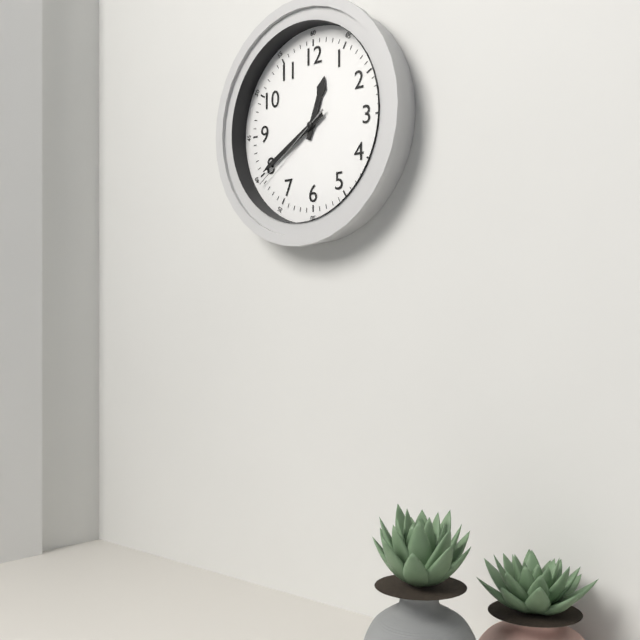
**12:40:39**
